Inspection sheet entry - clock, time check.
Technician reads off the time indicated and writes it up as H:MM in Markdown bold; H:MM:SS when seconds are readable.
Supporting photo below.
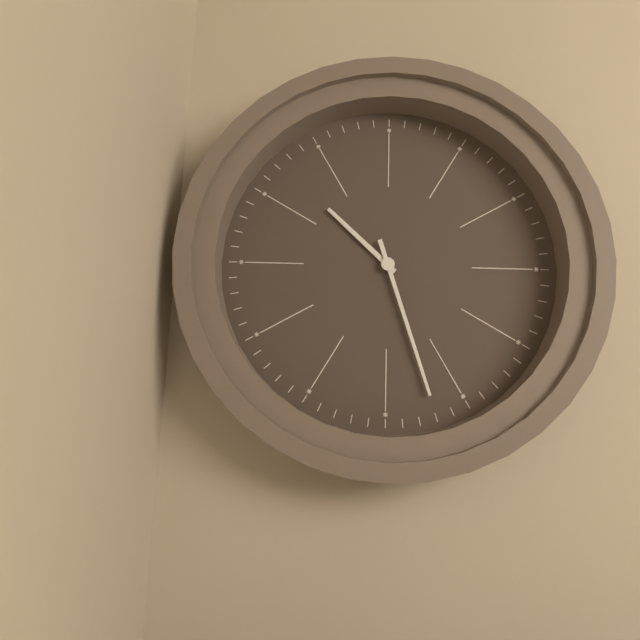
**10:27**
